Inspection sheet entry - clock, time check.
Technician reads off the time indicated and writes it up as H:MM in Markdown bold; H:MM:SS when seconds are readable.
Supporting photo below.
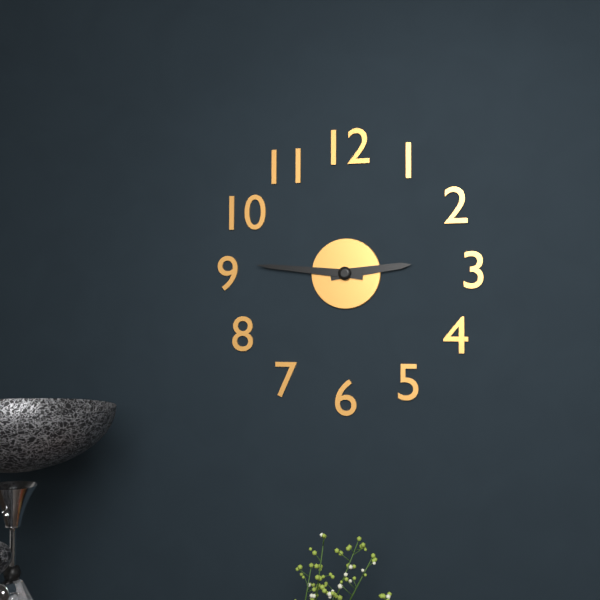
**2:46**
